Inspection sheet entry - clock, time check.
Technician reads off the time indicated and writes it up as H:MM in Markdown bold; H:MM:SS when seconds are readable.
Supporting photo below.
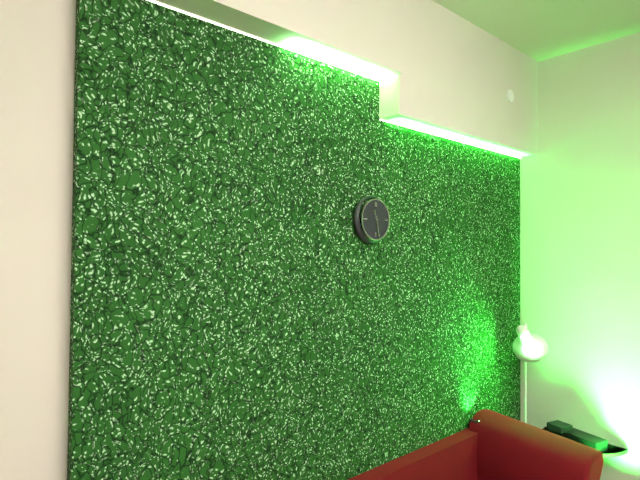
**11:28**
